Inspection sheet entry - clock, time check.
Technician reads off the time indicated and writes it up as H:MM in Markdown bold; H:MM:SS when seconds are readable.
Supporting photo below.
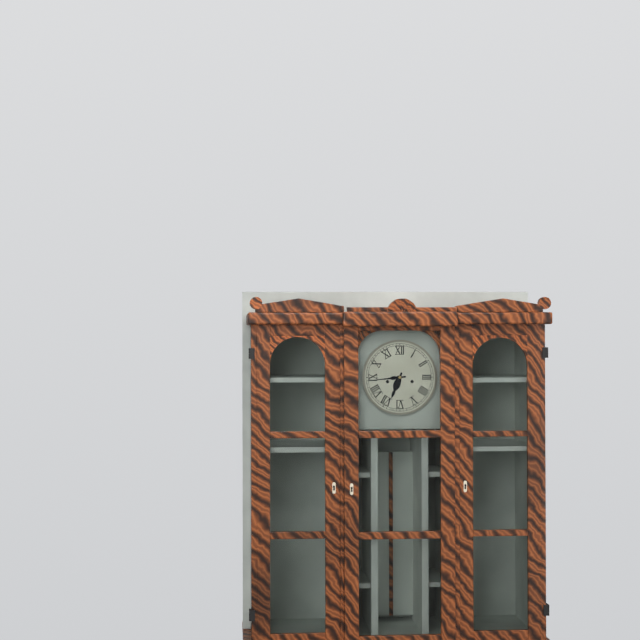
**6:44**
